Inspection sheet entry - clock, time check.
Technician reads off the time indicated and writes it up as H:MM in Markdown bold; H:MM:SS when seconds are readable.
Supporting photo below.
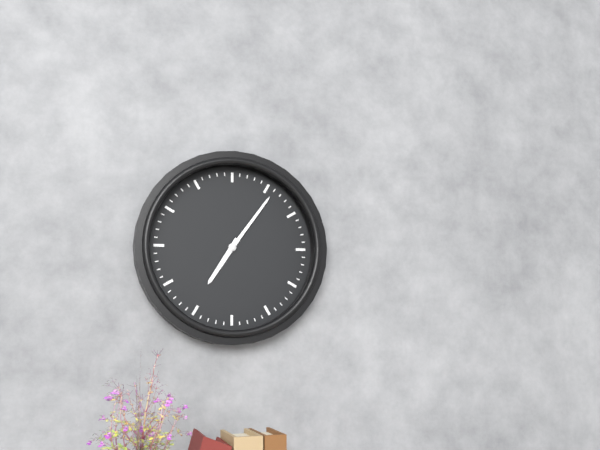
**7:06**
